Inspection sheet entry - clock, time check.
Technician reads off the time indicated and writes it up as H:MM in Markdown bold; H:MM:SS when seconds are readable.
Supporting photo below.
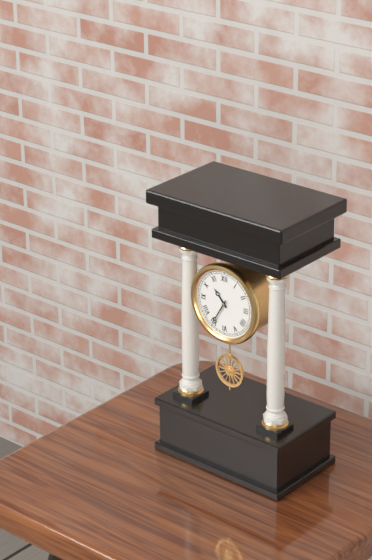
**10:35**
